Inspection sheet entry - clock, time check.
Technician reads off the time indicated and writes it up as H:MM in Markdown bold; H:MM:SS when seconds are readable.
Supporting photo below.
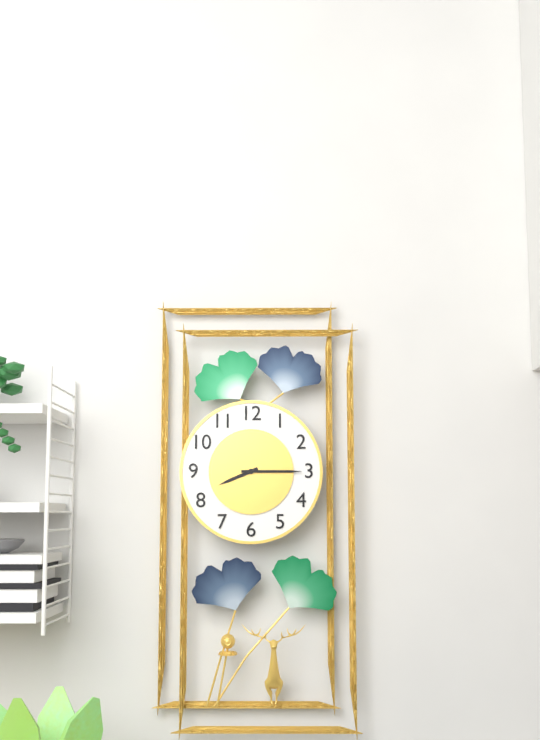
**8:15**
